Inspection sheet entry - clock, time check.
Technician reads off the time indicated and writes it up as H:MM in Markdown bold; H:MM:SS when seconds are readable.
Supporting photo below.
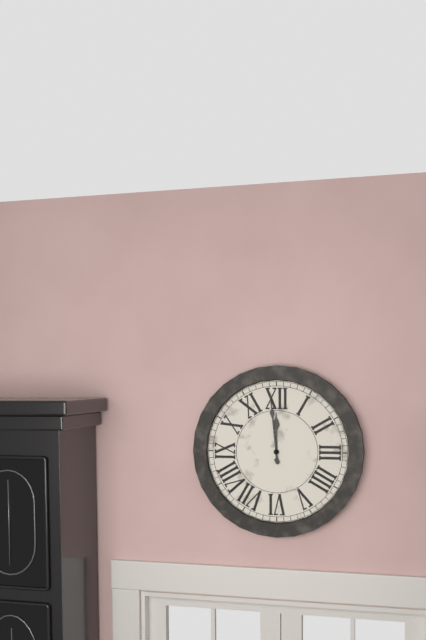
**11:59**
